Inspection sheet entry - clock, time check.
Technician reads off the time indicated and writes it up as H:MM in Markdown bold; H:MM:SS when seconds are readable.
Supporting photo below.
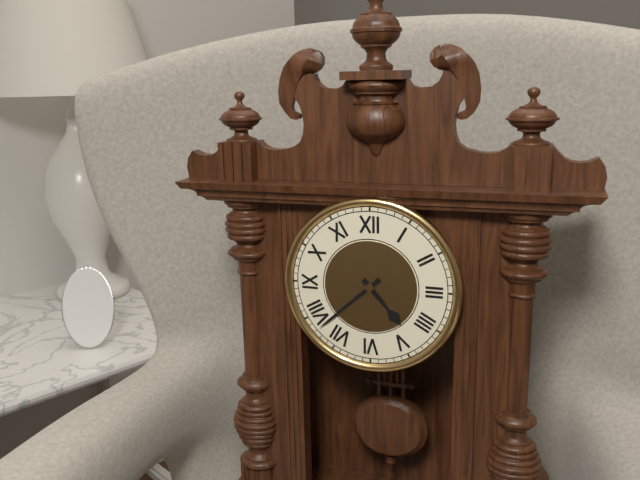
**4:38**
